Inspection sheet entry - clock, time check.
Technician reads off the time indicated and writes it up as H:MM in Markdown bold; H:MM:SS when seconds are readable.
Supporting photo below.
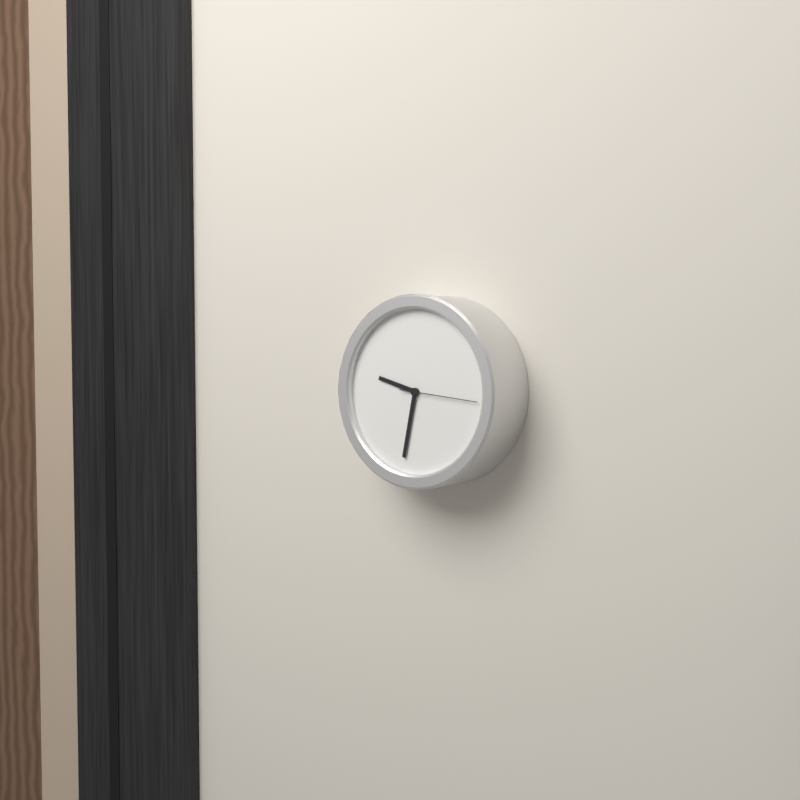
**9:32**
